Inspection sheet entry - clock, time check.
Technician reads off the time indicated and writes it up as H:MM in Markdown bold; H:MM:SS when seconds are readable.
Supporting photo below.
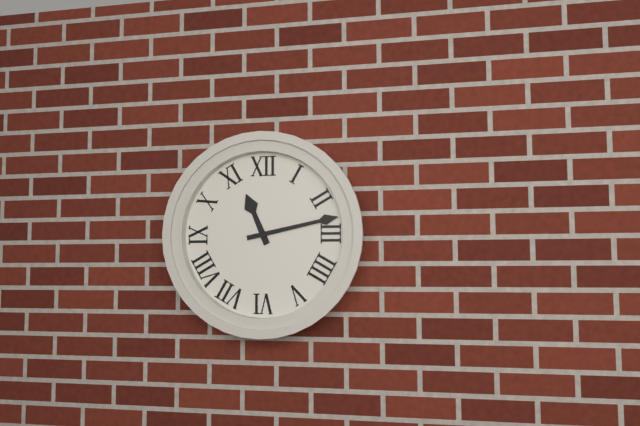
**11:13**
